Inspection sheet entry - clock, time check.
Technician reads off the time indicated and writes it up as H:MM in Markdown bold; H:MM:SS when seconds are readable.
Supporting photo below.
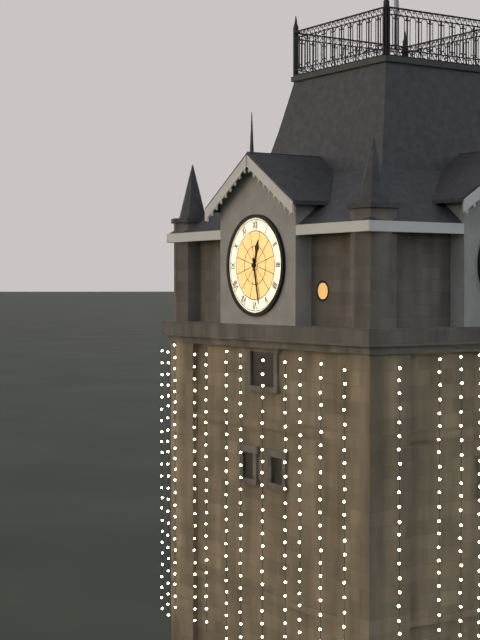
**12:28**
